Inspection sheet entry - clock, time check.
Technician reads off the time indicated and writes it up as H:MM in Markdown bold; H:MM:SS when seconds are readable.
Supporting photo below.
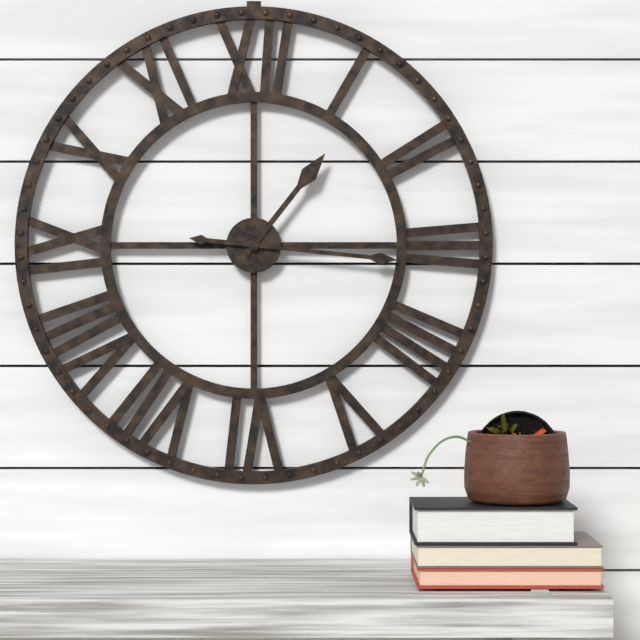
**1:16**
